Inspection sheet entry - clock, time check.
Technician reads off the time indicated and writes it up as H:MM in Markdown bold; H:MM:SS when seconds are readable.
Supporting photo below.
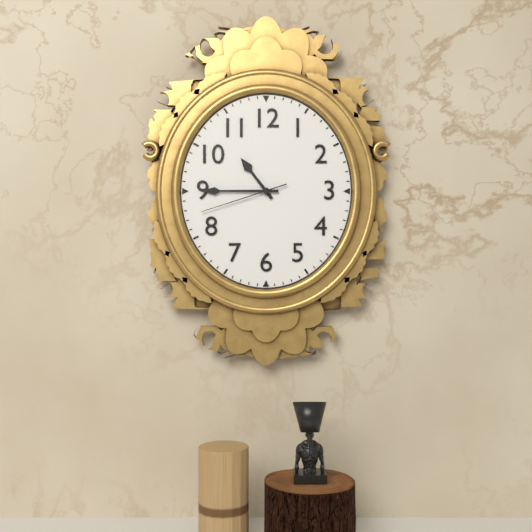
**10:45:42**
